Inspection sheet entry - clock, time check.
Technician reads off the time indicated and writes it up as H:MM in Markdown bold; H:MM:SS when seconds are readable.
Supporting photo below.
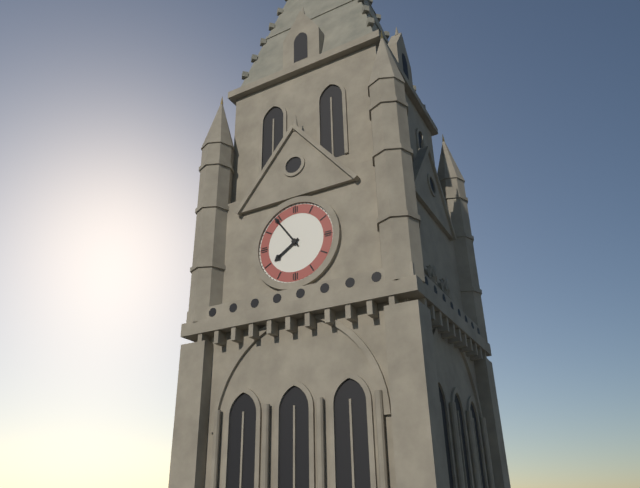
**7:54**
